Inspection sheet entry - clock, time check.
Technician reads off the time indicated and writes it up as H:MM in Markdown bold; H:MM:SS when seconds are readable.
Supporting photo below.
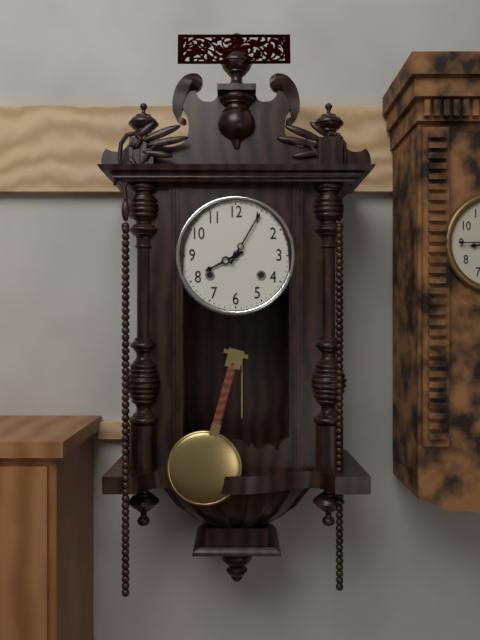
**8:05**
